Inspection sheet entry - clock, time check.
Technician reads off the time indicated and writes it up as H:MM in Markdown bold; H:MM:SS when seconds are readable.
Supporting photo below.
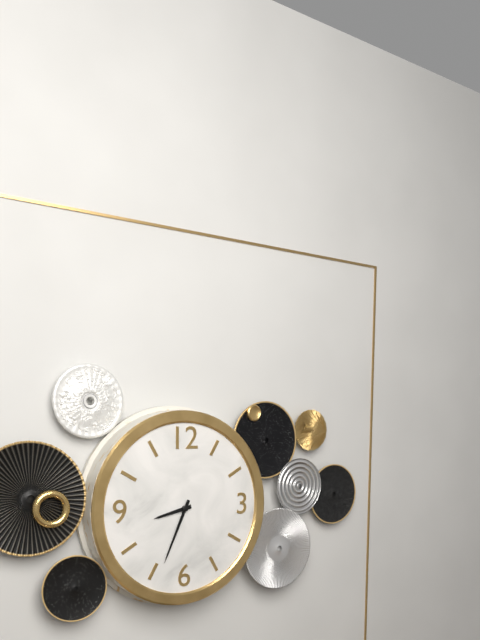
**8:34**
